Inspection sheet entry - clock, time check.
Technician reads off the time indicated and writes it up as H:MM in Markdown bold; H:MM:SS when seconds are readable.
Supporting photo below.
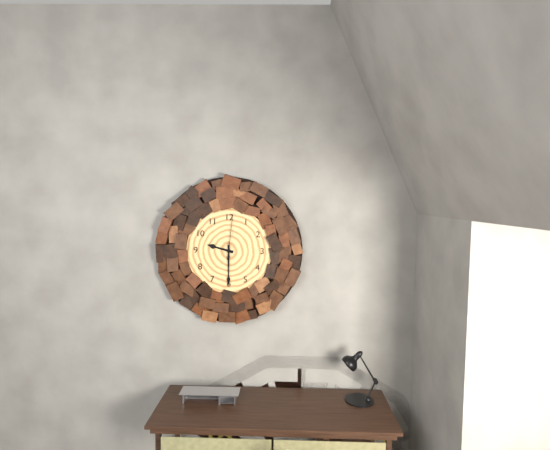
**9:30**
